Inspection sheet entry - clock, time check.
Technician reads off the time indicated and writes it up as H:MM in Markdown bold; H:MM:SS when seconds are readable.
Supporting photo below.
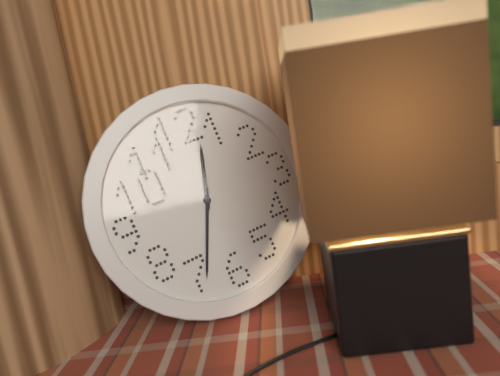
**12:34**
